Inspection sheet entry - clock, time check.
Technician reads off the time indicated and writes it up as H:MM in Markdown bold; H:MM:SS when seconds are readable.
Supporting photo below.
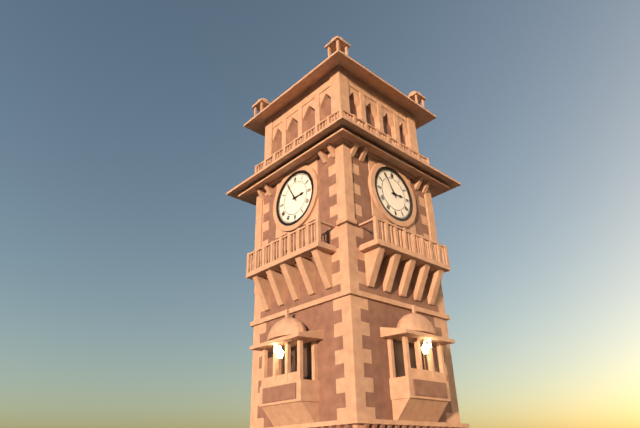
**2:55**
